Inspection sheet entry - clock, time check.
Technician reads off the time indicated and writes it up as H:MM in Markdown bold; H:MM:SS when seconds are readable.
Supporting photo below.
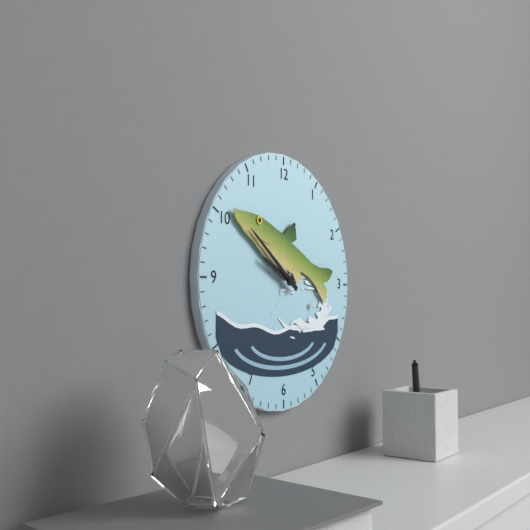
**9:51**
